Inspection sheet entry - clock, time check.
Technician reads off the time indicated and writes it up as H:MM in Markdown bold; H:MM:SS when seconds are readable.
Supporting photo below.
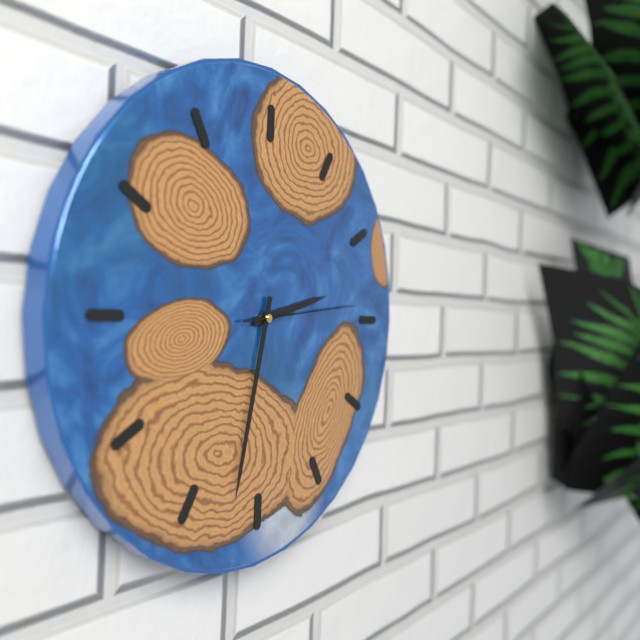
**2:32:14**
